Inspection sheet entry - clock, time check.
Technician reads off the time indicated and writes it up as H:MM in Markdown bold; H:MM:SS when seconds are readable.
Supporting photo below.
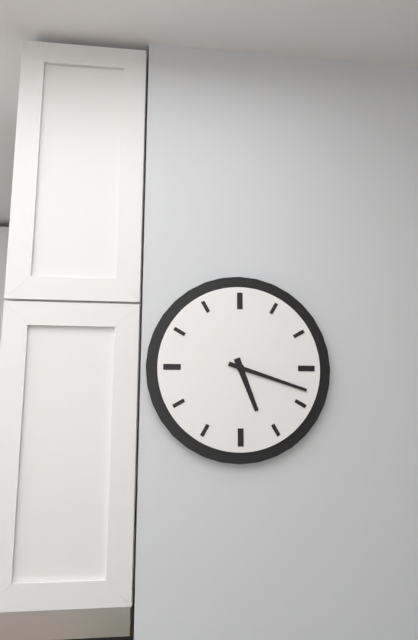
**5:18**
